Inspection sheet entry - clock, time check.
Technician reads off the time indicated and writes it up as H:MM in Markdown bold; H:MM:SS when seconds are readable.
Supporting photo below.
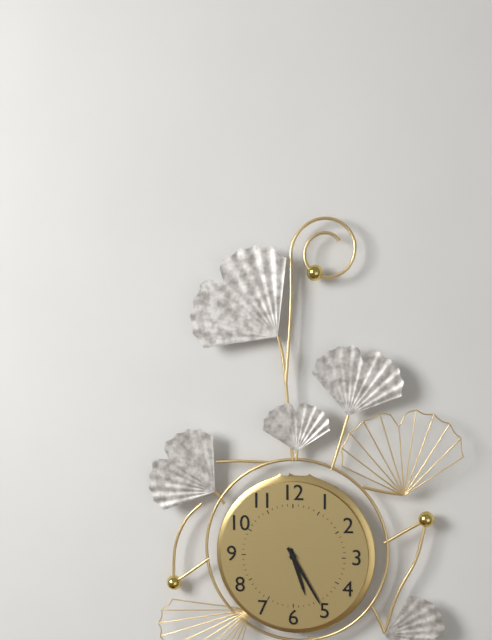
**5:25**
